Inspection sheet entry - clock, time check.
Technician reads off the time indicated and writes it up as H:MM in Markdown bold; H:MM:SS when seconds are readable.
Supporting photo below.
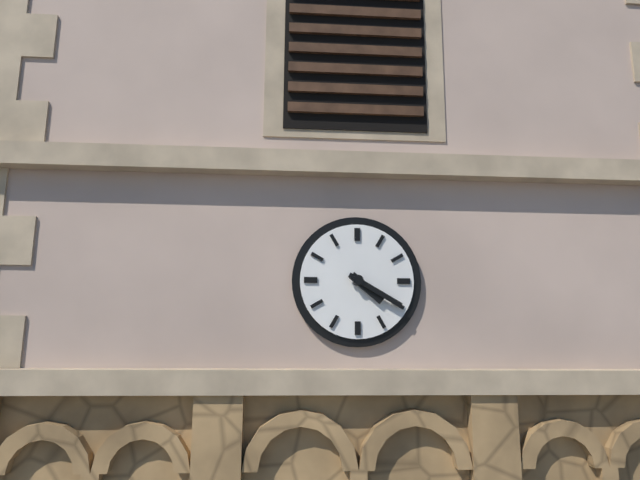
**4:20**
